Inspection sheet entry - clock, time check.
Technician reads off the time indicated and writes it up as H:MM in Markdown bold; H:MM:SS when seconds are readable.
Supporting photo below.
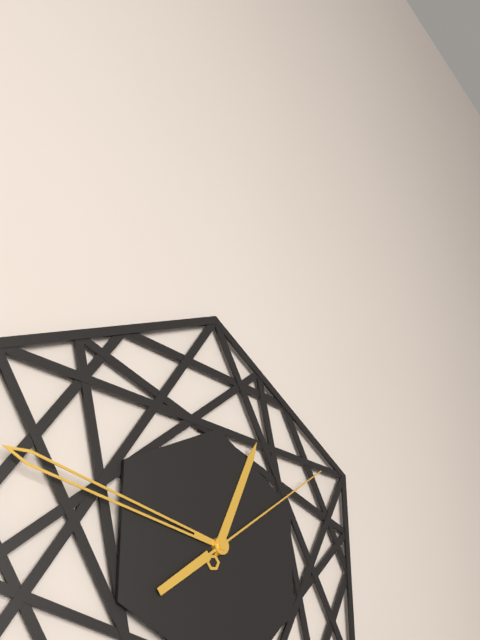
**12:47:09**
